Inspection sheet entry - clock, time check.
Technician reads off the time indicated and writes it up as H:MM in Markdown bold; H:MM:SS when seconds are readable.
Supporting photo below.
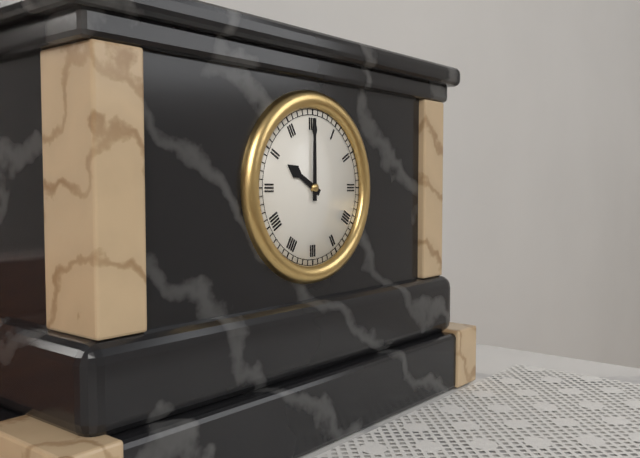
**10:00**
